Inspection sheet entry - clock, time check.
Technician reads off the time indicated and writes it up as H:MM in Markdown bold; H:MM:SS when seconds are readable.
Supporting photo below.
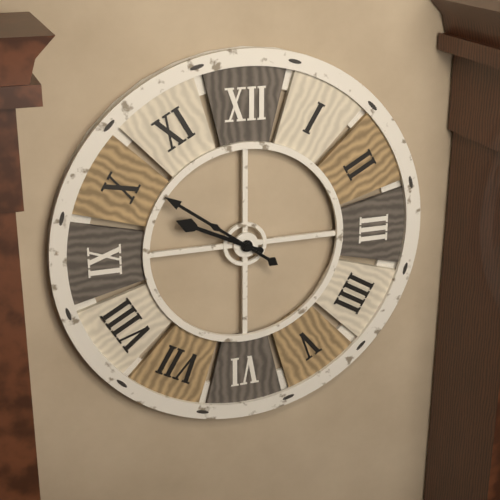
**9:51**
